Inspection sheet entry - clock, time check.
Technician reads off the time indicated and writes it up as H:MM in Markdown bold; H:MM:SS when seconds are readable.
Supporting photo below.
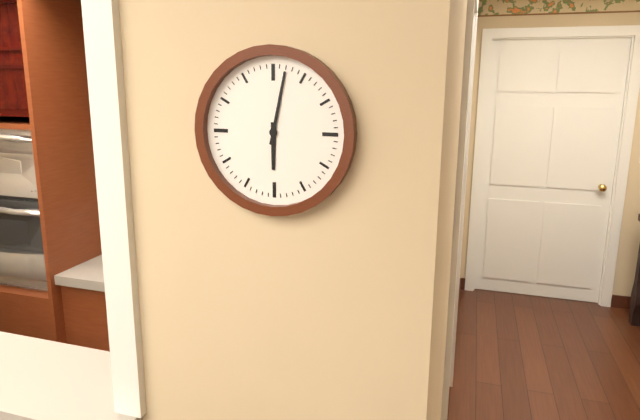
**6:02**
